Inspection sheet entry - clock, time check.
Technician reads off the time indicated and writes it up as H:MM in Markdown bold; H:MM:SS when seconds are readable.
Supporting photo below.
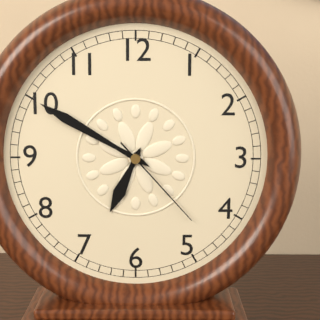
**6:50:23**
